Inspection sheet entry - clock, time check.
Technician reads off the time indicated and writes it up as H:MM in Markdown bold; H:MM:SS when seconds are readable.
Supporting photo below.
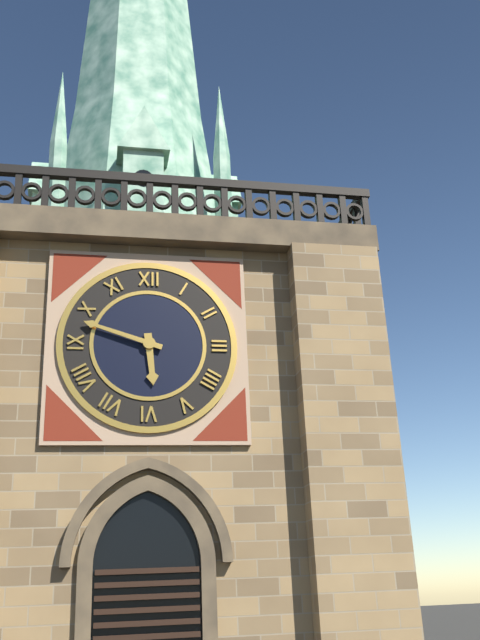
**5:48**
